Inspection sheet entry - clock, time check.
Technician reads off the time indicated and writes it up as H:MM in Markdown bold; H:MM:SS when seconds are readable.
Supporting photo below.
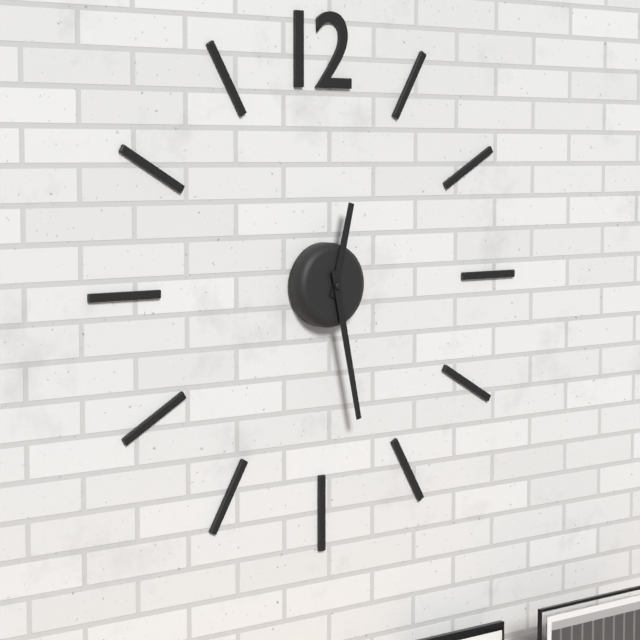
**12:28**
